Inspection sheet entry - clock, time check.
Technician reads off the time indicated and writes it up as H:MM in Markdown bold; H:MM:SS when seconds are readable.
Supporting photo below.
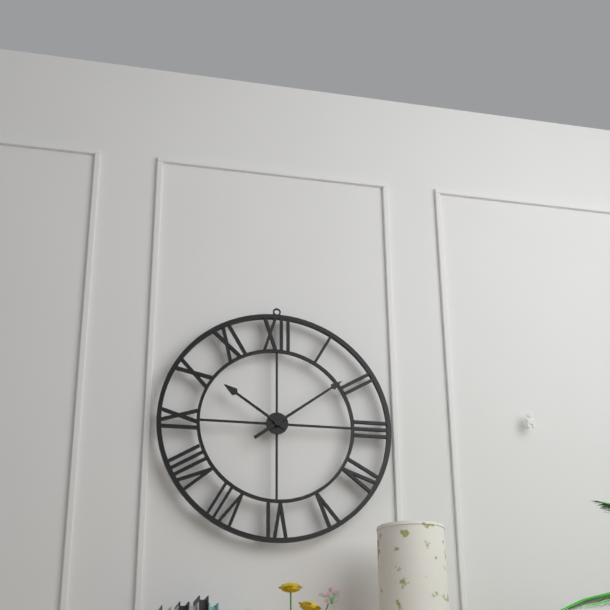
**10:09**
